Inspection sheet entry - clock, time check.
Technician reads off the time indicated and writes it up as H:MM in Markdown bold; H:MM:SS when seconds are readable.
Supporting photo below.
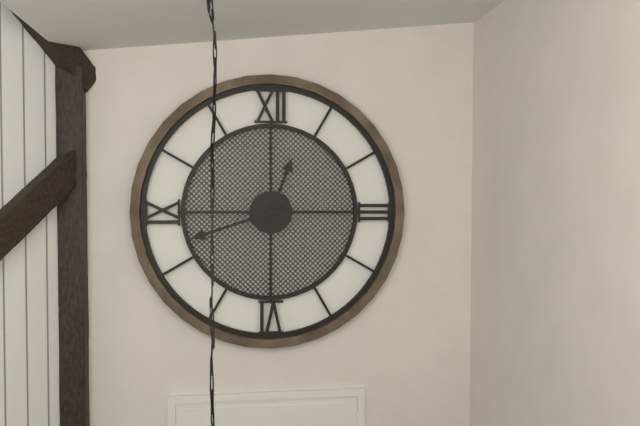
**12:42**
